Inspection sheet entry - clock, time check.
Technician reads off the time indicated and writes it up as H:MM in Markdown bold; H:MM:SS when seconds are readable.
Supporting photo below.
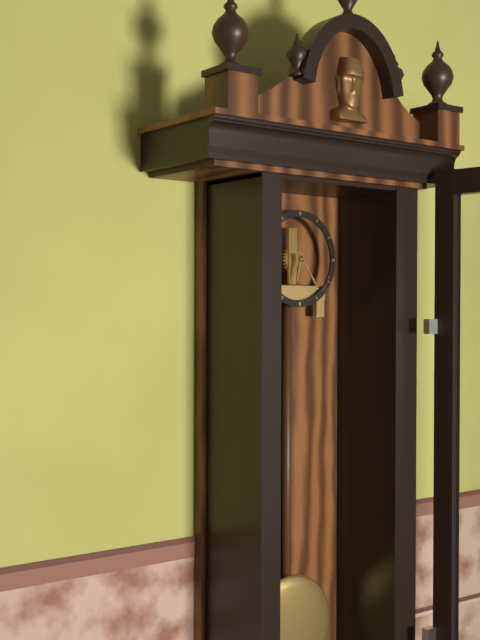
**6:24**
